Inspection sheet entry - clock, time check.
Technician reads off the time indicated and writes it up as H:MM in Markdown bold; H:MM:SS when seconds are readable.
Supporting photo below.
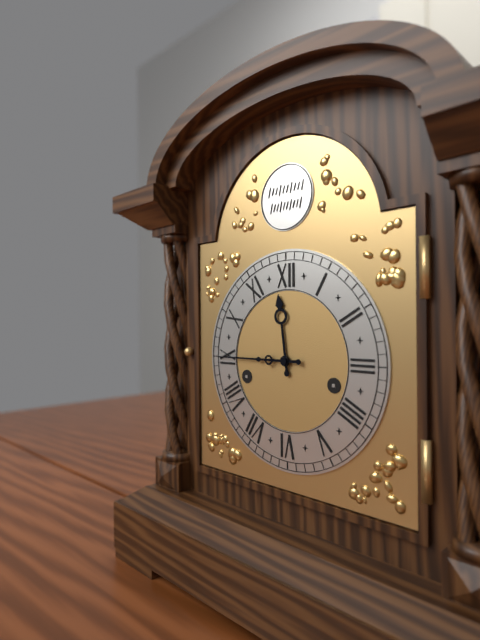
**11:45**
